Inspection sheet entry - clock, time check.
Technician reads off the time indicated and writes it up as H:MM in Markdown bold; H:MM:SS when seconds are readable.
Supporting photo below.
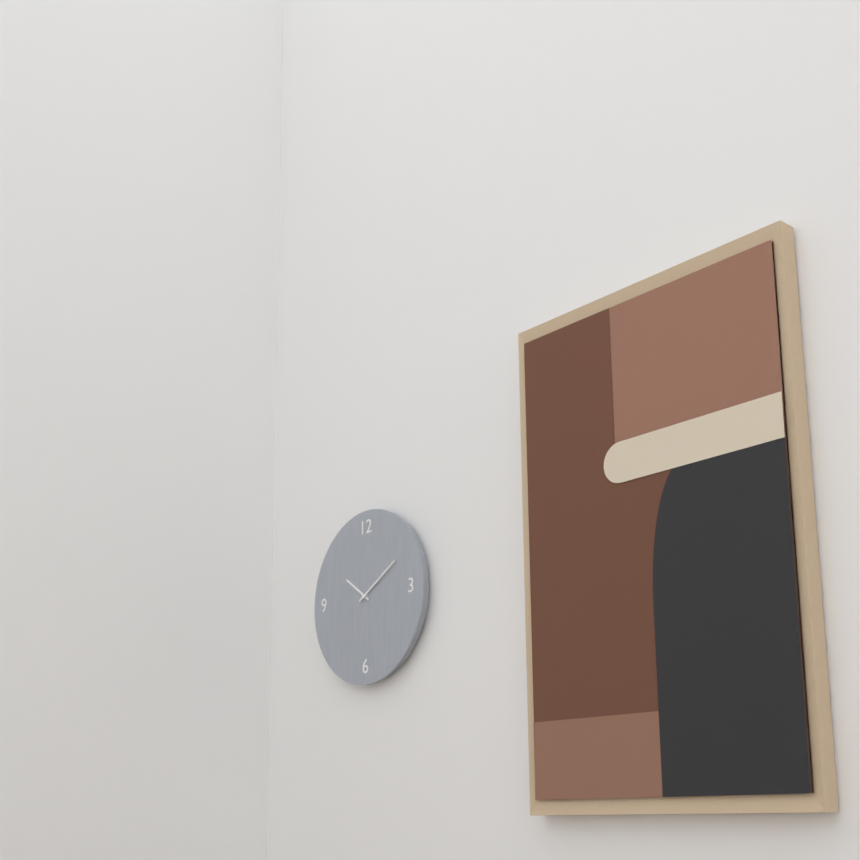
**10:10**
